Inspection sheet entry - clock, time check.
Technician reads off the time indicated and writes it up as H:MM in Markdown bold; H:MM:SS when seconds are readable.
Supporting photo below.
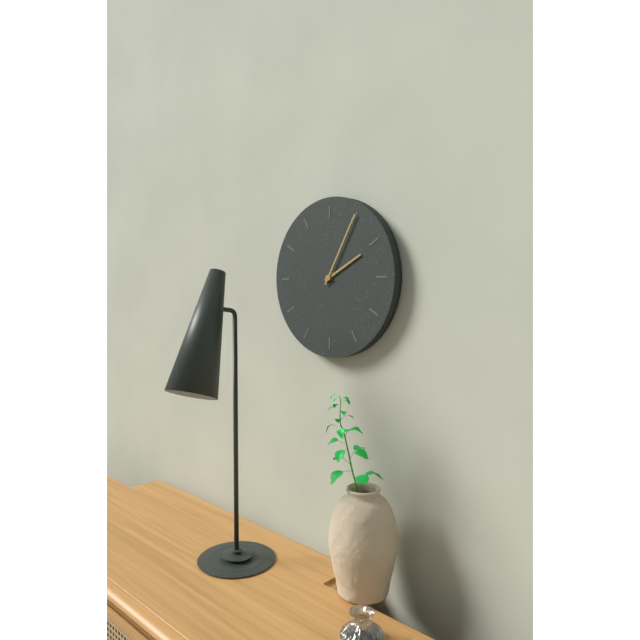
**2:05**
